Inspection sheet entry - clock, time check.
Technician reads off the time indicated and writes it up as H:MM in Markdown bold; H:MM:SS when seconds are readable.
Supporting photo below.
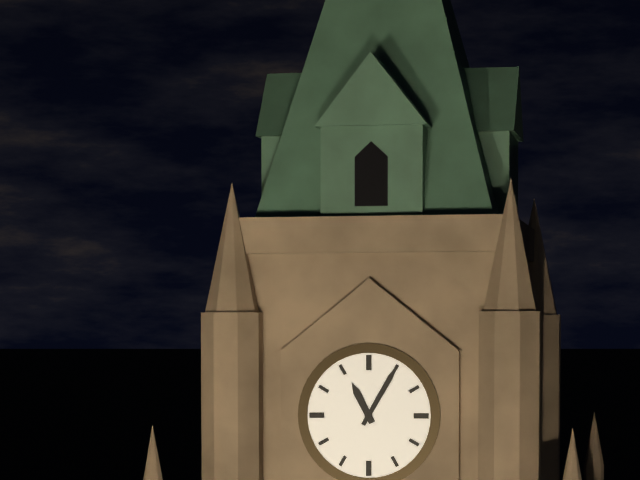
**11:05**
